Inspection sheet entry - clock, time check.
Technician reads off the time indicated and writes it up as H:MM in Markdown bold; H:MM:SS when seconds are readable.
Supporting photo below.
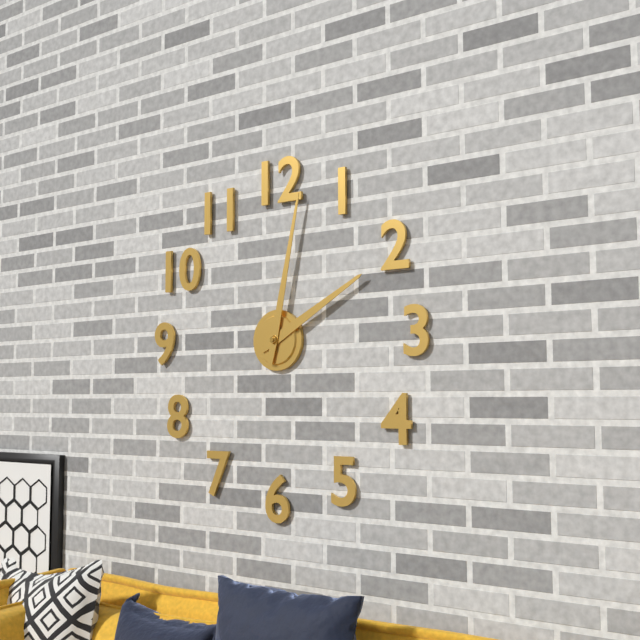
**2:02**
